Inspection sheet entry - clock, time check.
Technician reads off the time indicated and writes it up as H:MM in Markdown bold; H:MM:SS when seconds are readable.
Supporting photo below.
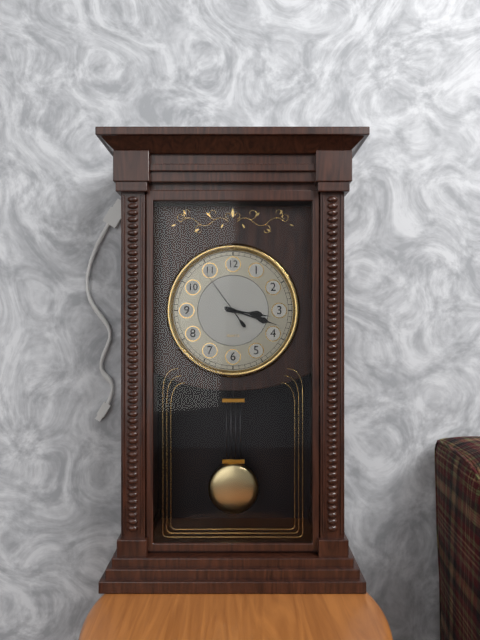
**3:18:54**
